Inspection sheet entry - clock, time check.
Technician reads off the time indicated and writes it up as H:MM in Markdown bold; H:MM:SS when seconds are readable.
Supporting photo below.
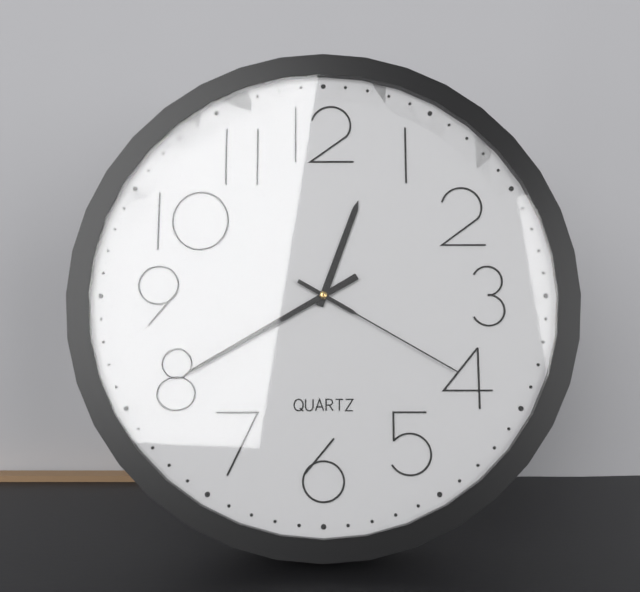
**12:40:20**
